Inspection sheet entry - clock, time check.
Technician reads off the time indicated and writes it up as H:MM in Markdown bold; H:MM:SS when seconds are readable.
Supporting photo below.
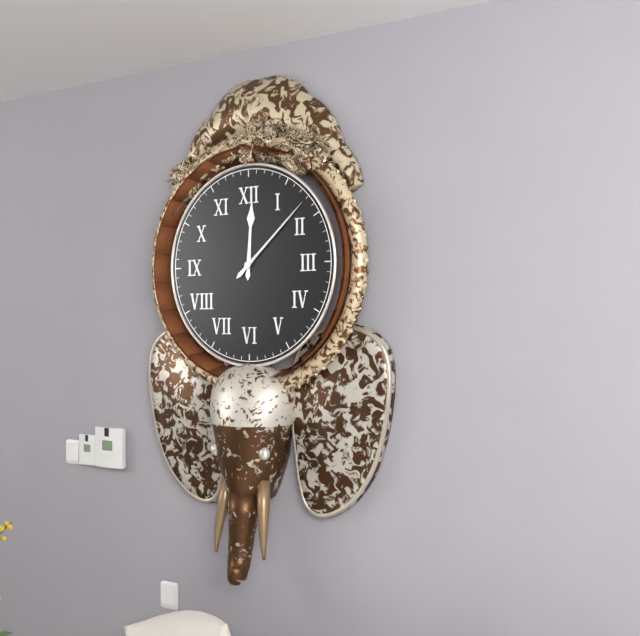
**12:08**
